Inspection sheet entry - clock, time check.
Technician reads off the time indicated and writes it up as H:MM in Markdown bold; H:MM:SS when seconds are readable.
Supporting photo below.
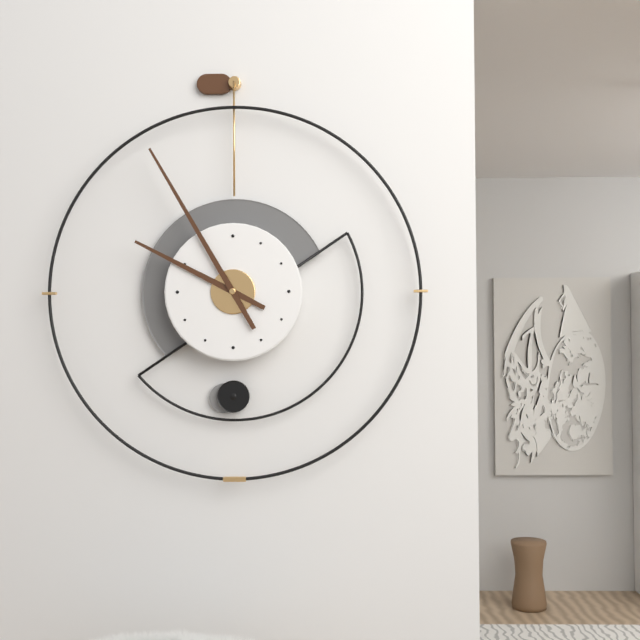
**9:55**
